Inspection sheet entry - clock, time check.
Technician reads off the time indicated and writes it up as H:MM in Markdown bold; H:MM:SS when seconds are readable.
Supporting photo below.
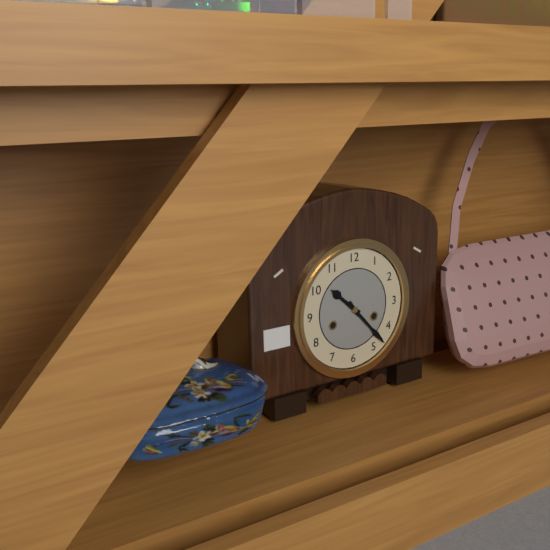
**10:23**
